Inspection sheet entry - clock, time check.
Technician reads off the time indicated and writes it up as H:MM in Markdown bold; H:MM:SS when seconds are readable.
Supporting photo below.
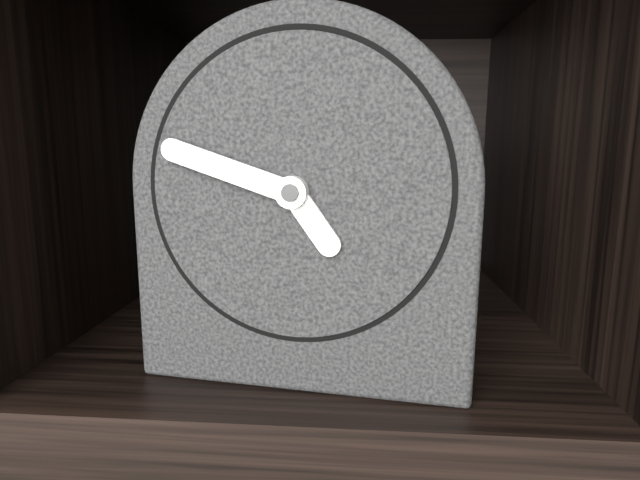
**4:48**
